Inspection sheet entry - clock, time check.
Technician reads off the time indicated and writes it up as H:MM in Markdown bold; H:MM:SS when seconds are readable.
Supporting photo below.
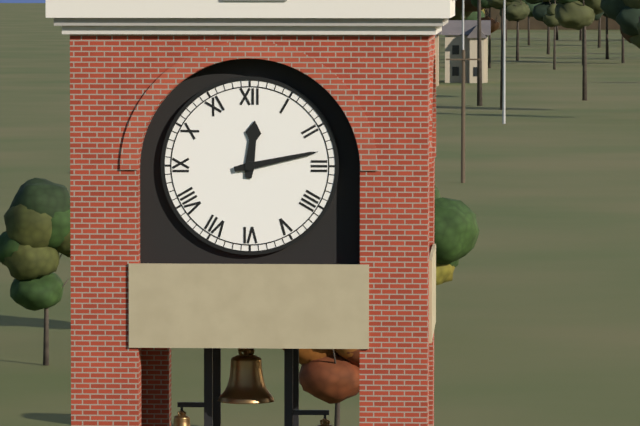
**12:13**
